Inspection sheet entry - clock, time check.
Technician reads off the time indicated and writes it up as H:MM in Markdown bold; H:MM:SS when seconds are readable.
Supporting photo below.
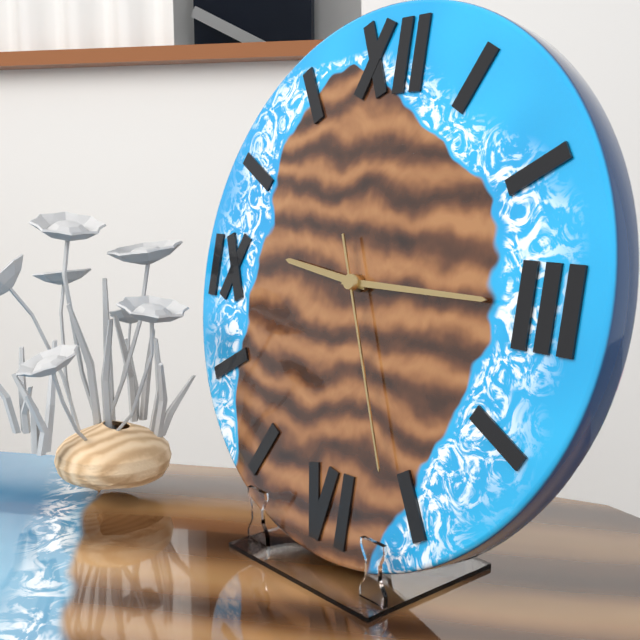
**9:15:26**
